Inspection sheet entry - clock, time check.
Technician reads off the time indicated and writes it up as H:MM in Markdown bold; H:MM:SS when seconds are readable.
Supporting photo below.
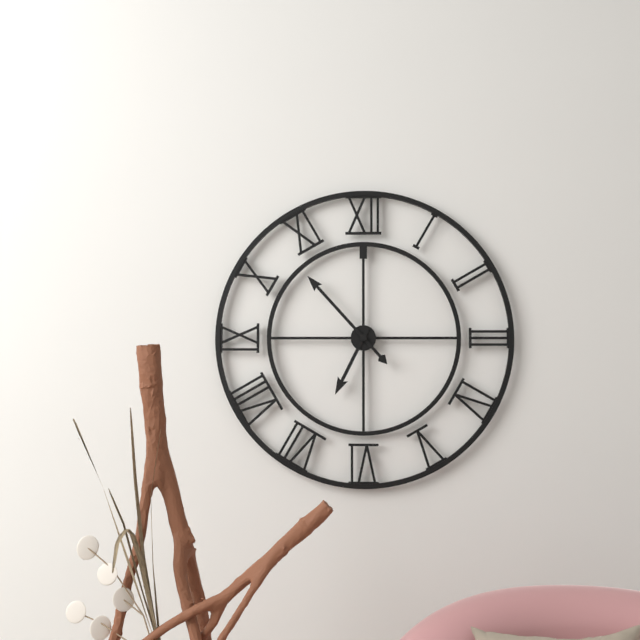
**6:53**
